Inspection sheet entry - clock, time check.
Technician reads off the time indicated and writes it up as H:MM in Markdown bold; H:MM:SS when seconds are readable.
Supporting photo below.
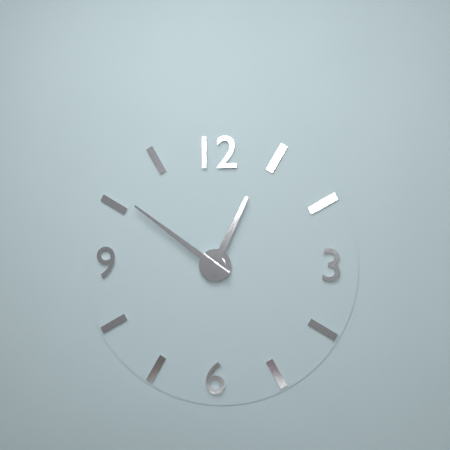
**12:51**
